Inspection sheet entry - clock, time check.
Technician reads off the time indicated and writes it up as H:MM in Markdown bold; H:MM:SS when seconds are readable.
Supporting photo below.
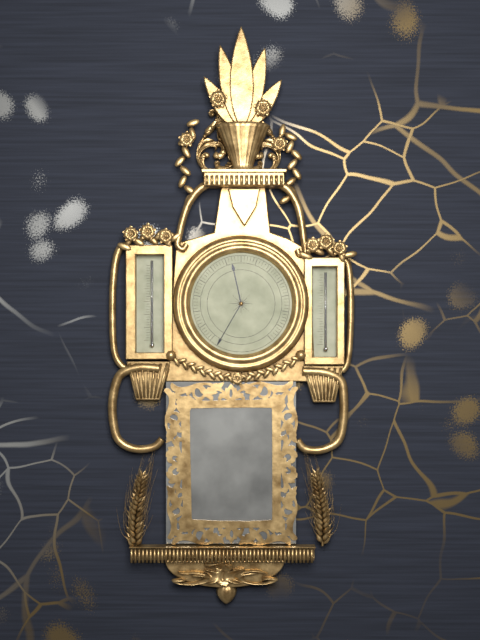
**11:35**
